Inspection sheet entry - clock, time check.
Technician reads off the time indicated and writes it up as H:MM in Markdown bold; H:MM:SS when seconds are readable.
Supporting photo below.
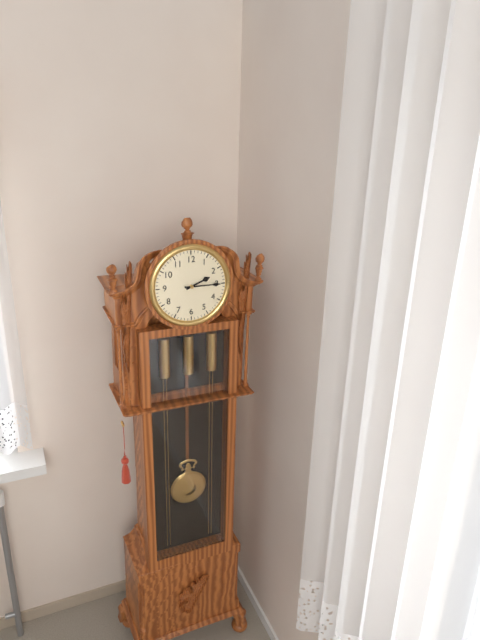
**2:15**
